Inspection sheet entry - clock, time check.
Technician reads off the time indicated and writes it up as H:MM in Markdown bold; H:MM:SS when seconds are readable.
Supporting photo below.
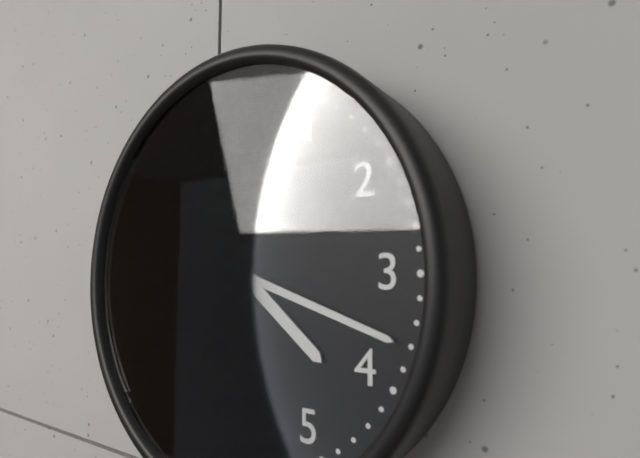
**4:18**
